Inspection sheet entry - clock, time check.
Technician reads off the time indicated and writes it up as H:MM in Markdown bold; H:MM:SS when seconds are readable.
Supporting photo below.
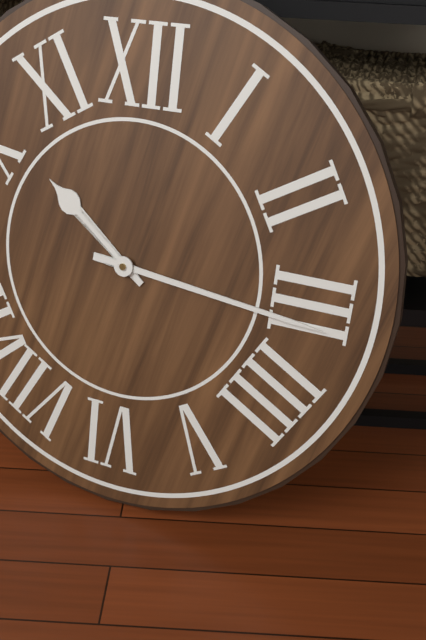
**10:16**
